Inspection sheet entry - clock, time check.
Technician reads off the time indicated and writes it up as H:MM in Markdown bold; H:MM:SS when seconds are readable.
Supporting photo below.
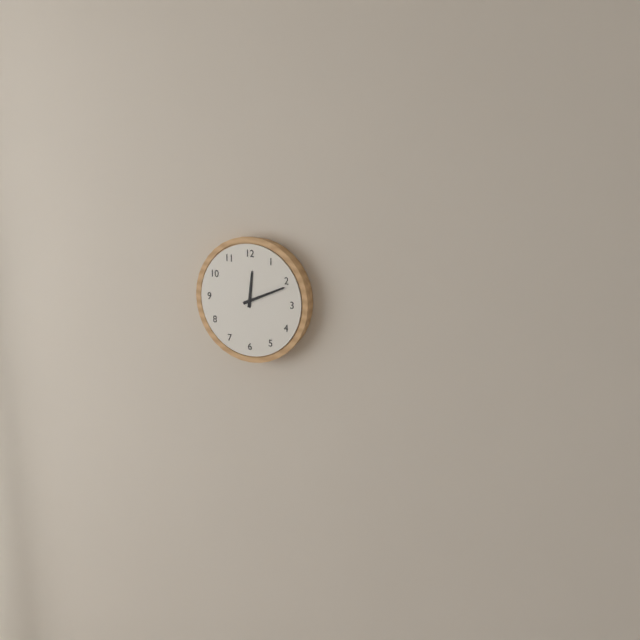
**12:11**
